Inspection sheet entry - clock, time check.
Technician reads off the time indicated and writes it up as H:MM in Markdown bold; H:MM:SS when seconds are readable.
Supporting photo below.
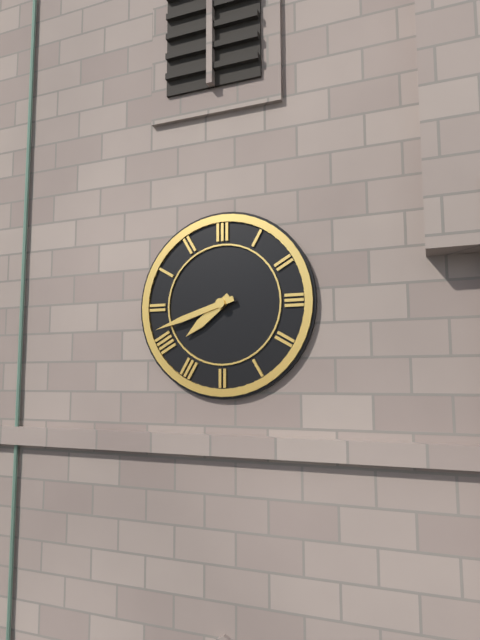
**7:42**
